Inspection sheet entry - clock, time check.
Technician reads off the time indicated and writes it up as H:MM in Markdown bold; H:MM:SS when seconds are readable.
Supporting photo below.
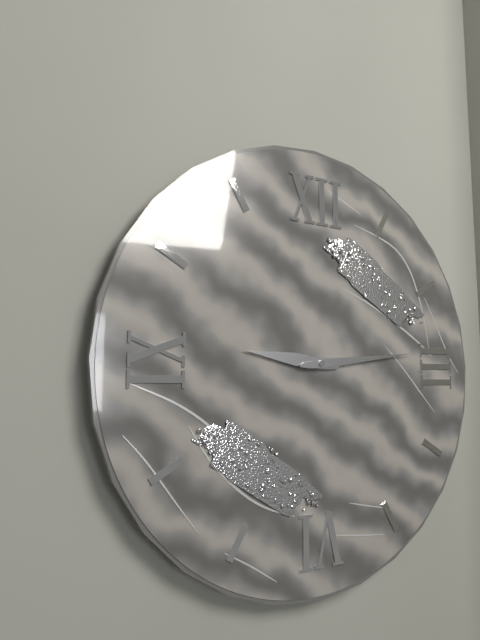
**9:14**
